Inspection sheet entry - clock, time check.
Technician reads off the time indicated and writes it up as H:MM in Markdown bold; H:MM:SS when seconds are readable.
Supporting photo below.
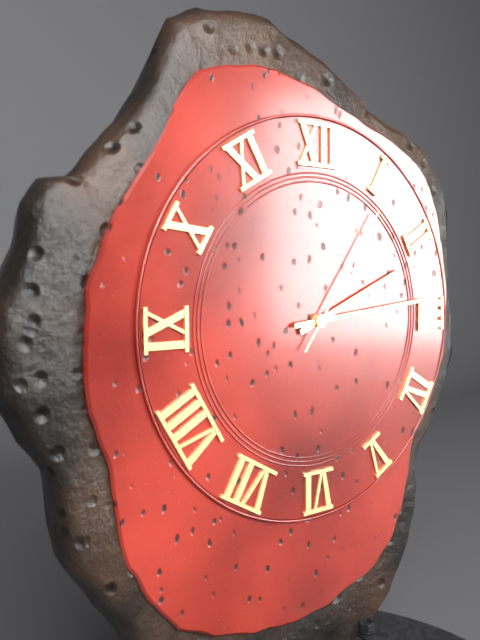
**2:14:06**
